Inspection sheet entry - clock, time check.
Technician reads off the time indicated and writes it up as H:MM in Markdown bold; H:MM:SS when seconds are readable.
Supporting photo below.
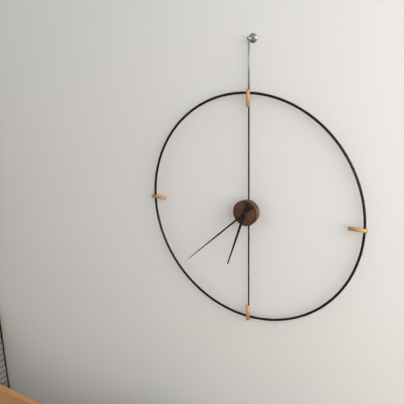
**6:38**
